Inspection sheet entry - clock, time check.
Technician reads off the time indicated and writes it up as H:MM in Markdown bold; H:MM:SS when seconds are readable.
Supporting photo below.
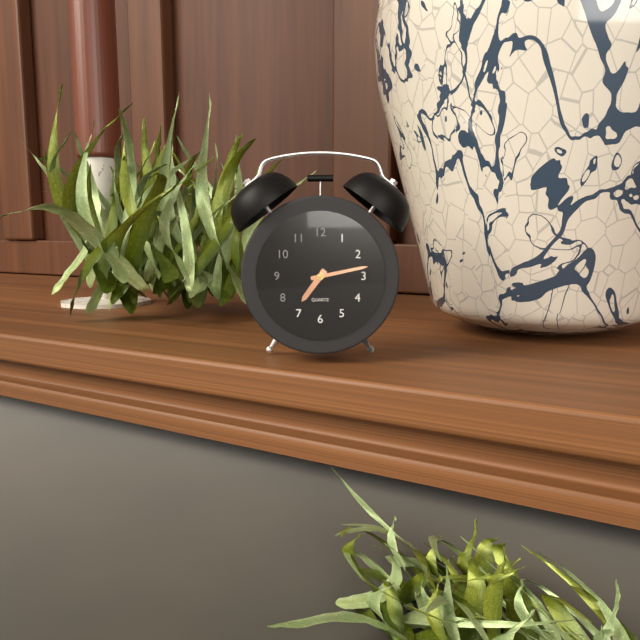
**7:13**
